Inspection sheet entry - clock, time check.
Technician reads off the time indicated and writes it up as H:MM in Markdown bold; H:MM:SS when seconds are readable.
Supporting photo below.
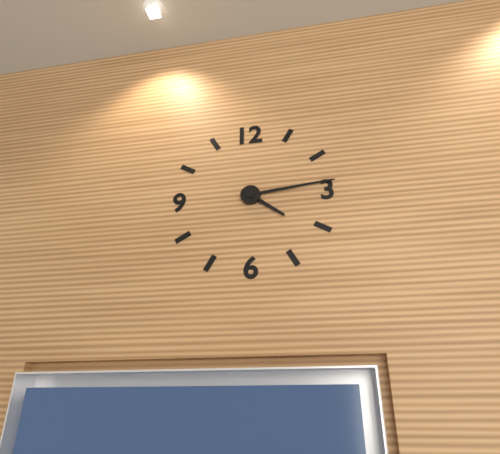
**4:14**
